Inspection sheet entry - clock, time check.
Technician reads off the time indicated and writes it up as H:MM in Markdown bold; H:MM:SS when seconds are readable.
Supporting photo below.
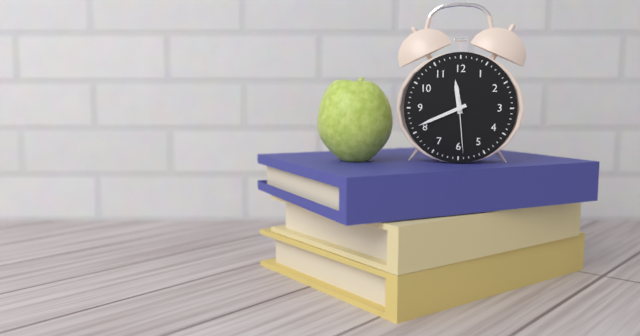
**11:41:29**
